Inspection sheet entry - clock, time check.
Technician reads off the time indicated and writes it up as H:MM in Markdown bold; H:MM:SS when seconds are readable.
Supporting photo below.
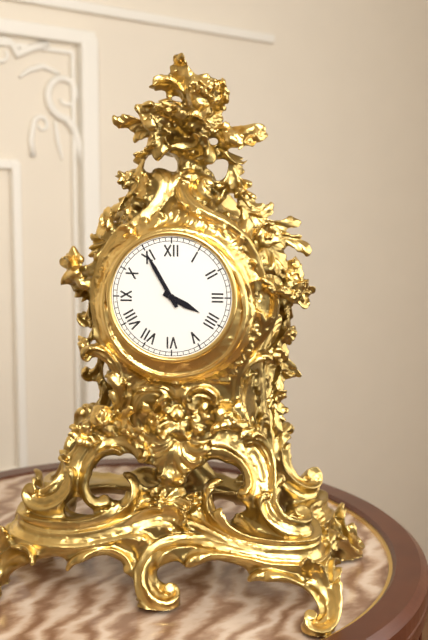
**3:55**
